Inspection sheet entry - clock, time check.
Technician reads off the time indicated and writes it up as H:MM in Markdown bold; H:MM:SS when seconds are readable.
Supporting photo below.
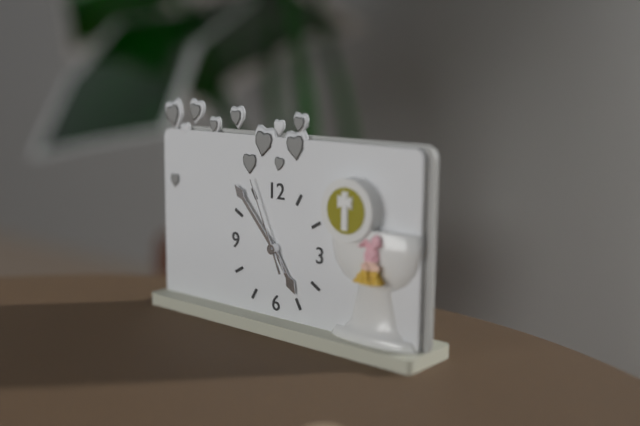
**4:53:56**
